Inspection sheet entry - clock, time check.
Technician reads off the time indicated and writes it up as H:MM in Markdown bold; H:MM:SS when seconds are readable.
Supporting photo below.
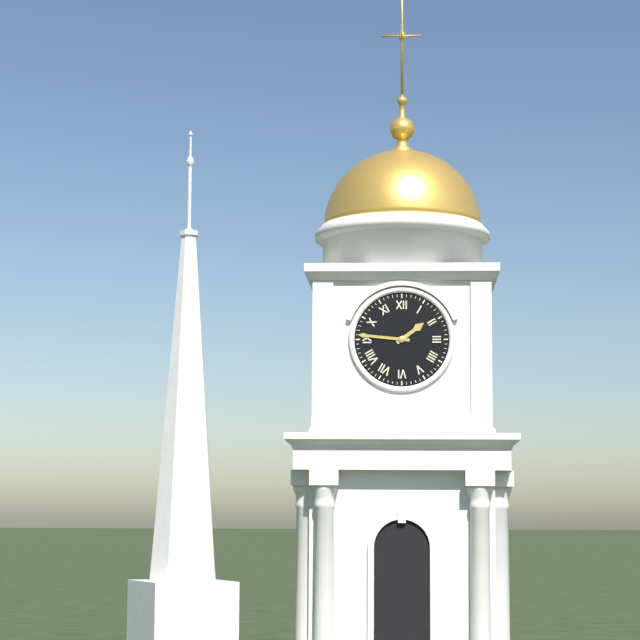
**1:46**
